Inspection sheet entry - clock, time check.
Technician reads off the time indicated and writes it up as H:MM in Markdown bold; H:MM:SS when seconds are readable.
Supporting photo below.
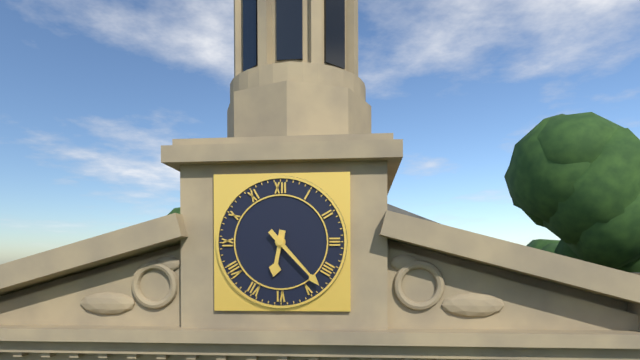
**6:23**
